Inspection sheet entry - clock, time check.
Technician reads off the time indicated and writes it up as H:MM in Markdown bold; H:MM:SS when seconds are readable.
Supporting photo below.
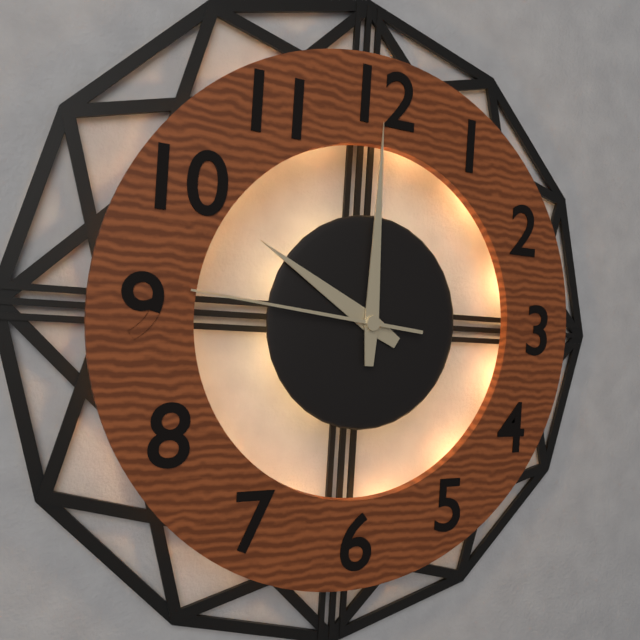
**10:00:46**
